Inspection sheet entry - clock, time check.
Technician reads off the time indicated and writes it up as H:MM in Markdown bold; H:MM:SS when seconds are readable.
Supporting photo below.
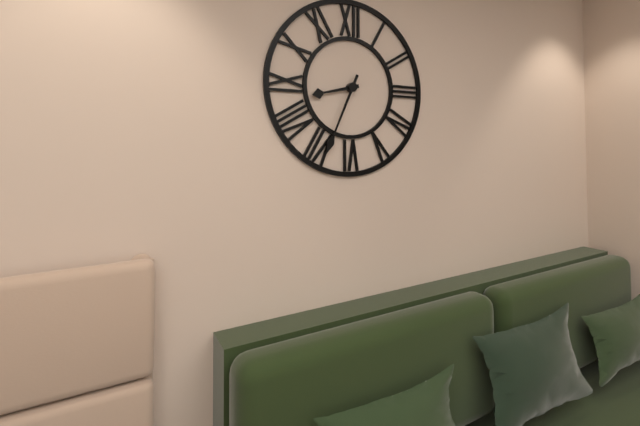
**8:34**
